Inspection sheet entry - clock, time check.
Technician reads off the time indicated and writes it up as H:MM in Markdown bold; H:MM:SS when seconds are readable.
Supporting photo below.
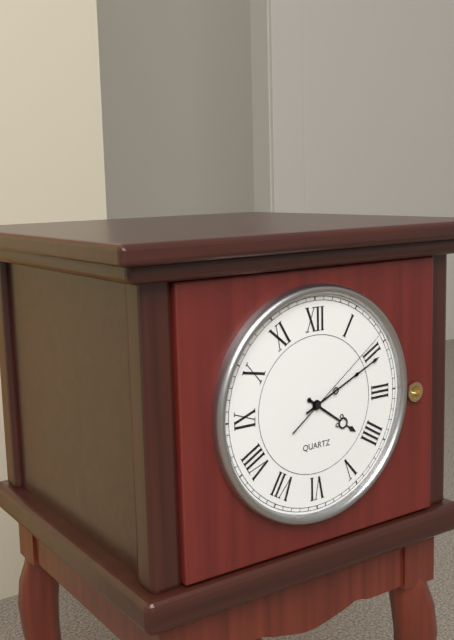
**4:11:09**
